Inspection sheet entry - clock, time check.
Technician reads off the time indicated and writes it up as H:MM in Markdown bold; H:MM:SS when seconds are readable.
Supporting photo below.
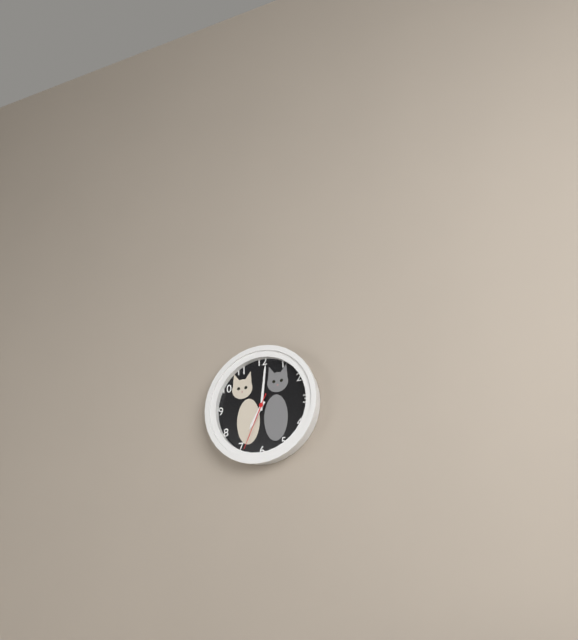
**7:01:34**
